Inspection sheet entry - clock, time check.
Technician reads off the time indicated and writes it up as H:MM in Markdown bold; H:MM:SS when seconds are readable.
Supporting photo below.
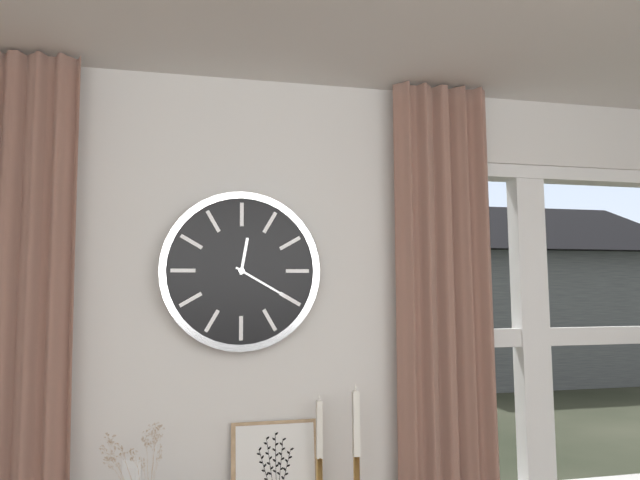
**12:20**
